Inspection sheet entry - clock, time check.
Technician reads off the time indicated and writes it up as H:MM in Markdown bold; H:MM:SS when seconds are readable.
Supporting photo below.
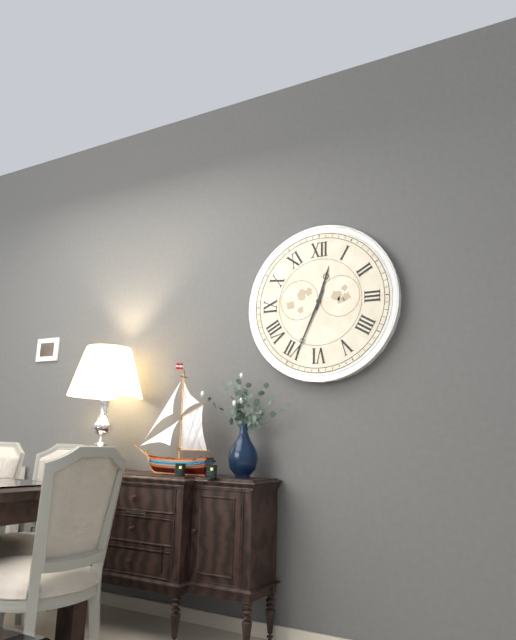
**12:34**
